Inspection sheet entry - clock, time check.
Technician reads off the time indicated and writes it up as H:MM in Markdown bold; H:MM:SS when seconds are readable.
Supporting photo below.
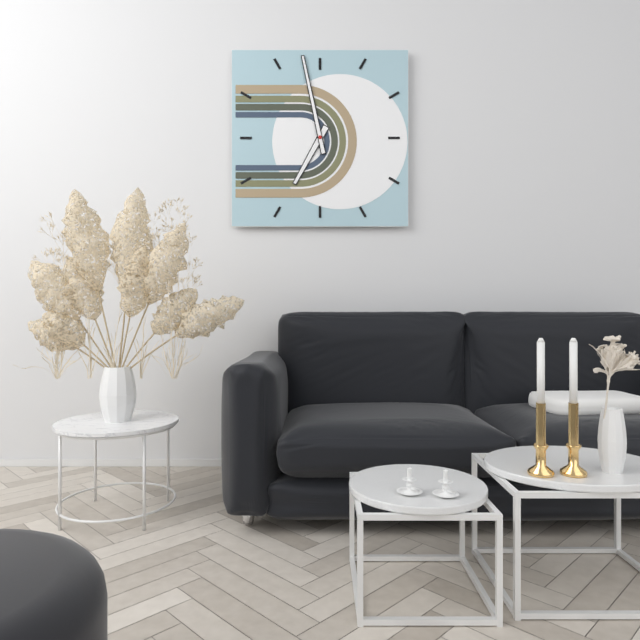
**6:58**
